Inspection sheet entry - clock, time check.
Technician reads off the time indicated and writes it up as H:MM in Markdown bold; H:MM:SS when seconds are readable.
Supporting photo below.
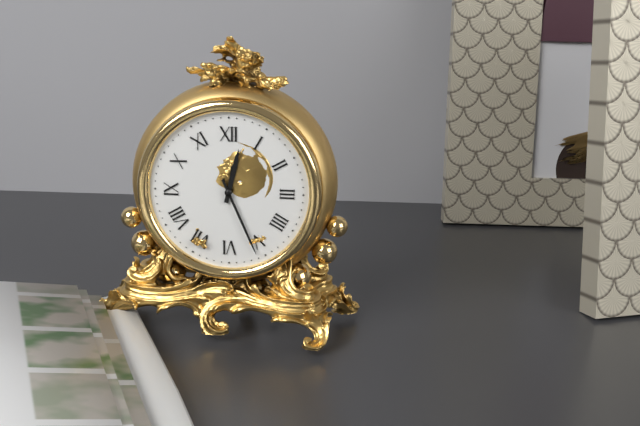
**12:26**
